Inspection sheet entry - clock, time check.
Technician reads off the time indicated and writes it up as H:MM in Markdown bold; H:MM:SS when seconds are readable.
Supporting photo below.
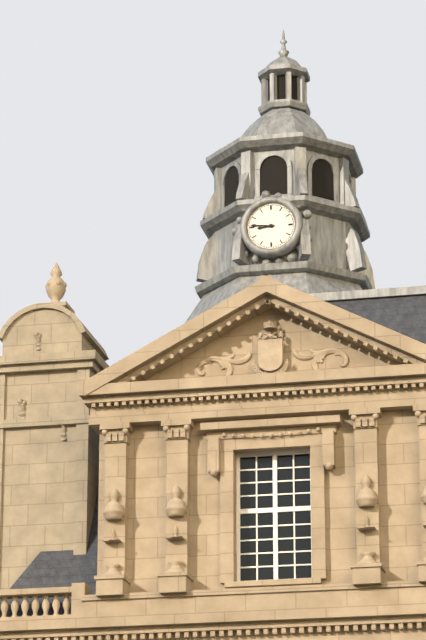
**8:46**
